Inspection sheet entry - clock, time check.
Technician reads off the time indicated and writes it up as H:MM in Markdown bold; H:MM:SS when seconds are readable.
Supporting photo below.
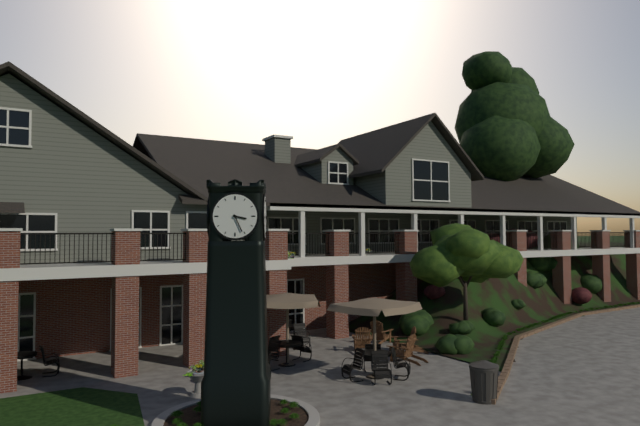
**3:26**
